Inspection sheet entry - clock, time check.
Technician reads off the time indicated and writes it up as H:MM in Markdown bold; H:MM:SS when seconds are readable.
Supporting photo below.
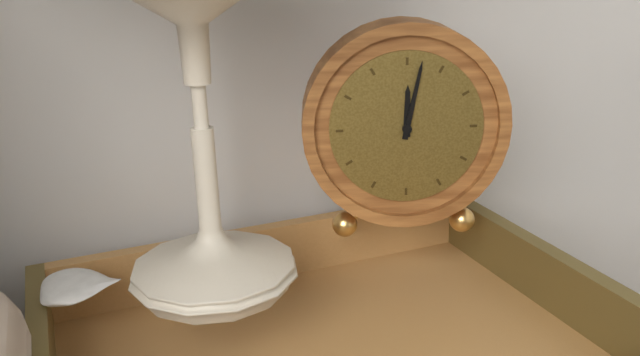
**12:02**
